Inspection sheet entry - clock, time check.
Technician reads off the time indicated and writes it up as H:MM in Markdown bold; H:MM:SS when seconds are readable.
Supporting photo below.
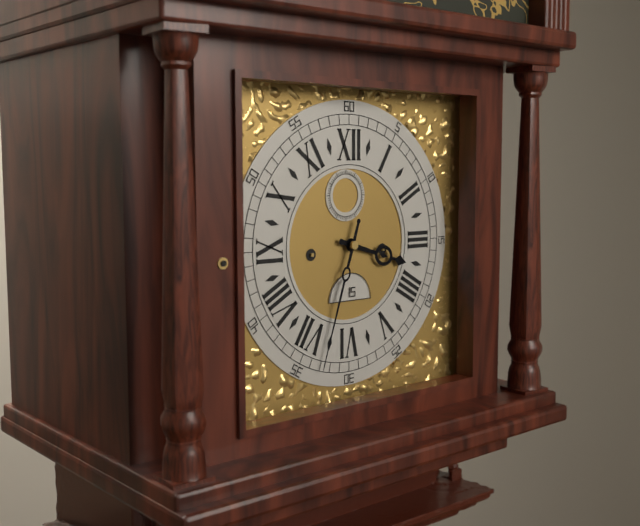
**3:33**
